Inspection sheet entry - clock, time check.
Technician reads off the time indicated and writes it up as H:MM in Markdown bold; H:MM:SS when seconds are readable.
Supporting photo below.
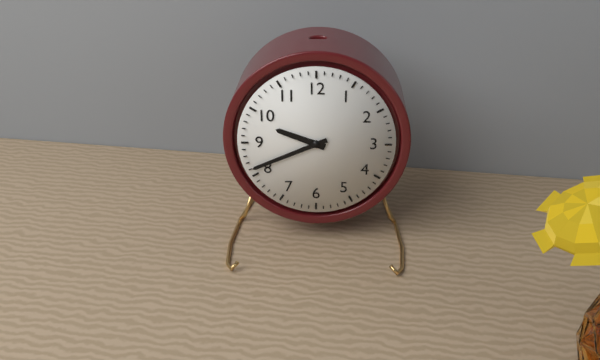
**9:41**
